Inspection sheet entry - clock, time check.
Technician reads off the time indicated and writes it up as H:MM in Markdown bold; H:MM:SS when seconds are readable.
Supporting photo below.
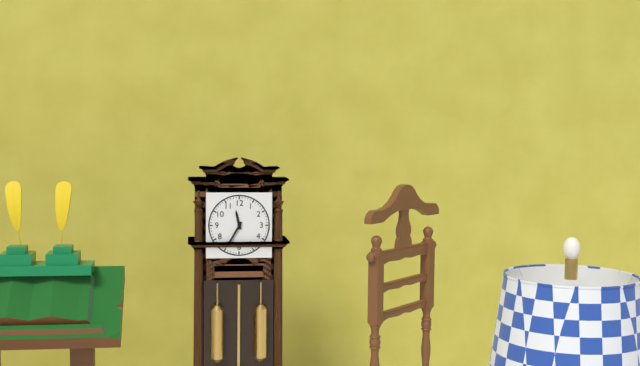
**11:35**
